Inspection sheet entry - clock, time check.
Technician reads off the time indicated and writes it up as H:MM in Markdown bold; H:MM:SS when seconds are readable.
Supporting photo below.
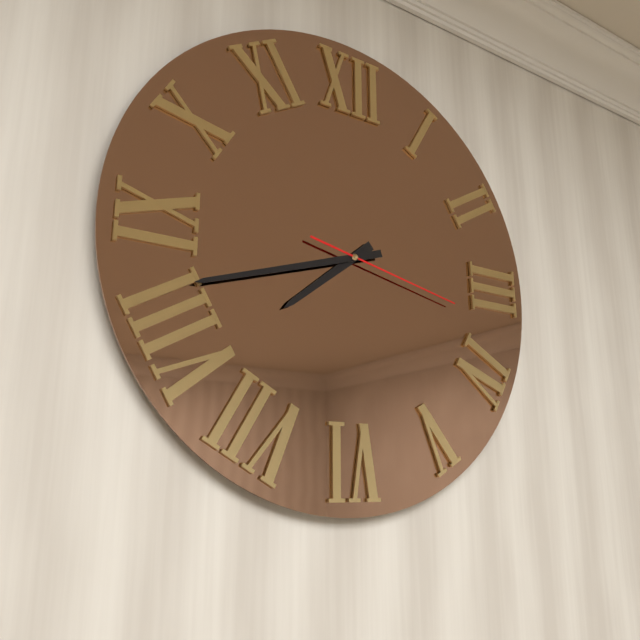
**7:42:17**
